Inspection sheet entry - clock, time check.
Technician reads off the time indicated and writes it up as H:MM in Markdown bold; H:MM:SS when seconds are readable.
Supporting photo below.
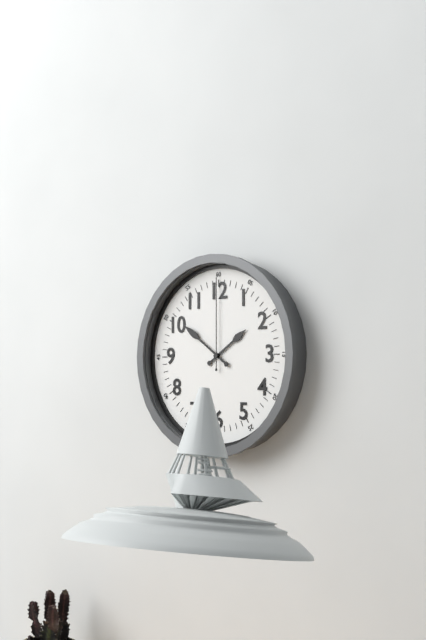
**1:51:00**
